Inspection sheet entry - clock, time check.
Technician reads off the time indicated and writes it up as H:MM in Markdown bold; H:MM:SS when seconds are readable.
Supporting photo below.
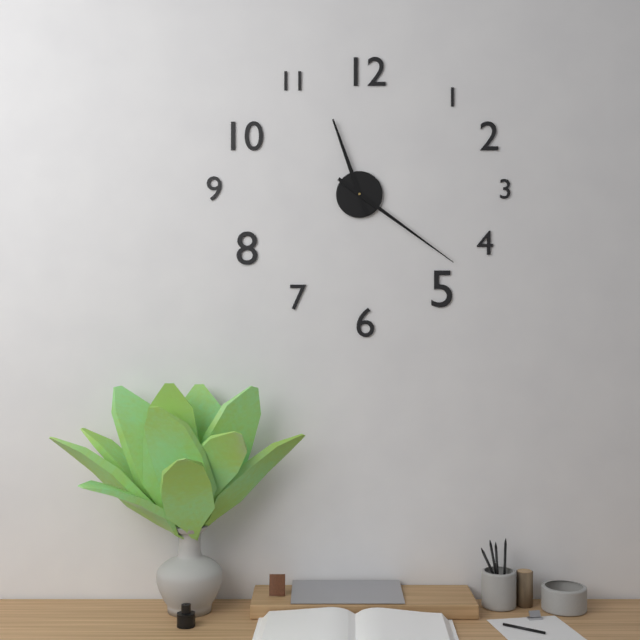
**11:21**
